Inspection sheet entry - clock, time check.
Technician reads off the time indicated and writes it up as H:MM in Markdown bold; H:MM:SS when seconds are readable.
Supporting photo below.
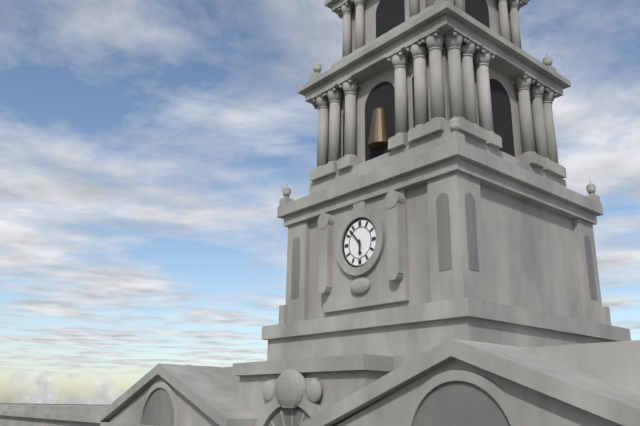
**5:53**
